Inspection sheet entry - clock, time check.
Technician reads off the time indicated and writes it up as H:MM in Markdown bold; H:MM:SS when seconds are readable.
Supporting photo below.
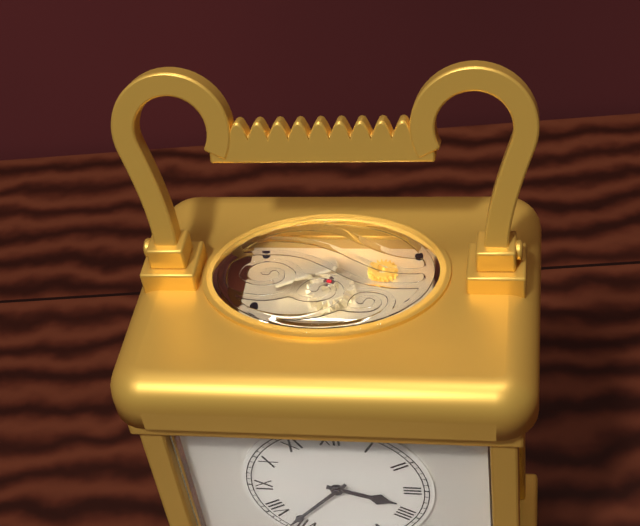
**3:37**
